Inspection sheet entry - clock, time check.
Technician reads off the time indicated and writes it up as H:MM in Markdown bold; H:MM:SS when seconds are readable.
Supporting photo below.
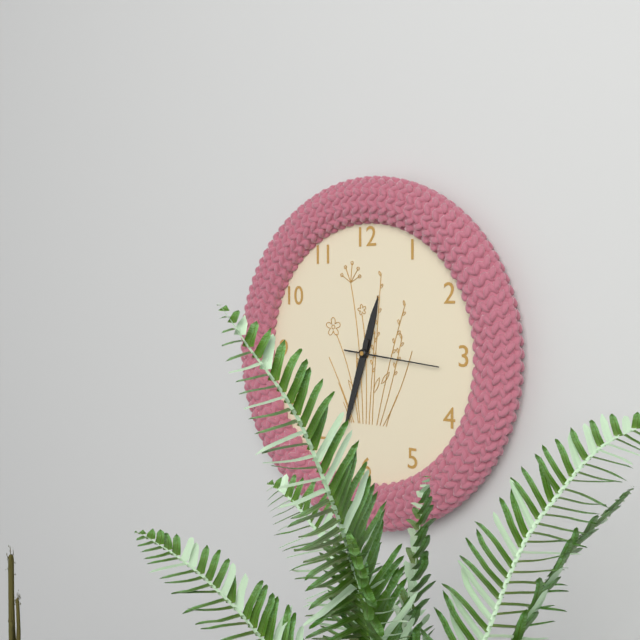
**12:33:16**
